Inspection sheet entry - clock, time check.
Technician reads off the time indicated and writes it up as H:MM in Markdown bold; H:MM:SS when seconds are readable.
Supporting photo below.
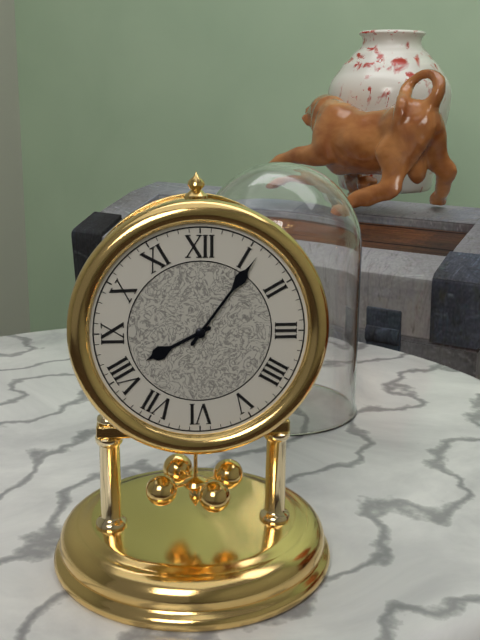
**8:06**
